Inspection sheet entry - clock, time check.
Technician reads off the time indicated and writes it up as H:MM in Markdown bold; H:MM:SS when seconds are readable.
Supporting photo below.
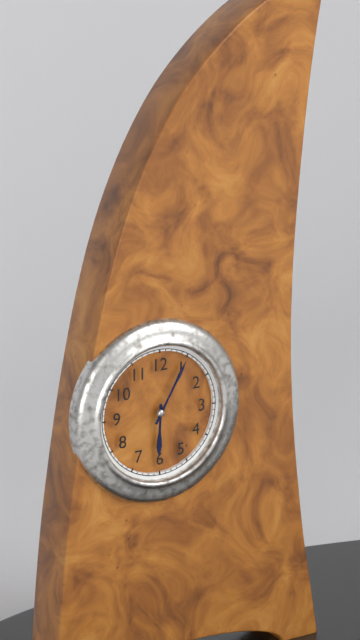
**6:05**
